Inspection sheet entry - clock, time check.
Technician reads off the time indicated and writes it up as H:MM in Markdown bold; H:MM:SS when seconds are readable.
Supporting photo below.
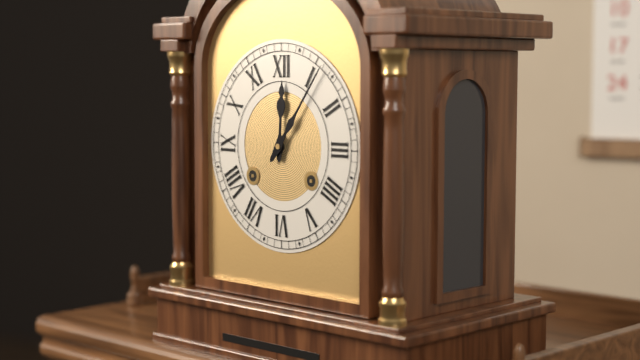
**12:06**
